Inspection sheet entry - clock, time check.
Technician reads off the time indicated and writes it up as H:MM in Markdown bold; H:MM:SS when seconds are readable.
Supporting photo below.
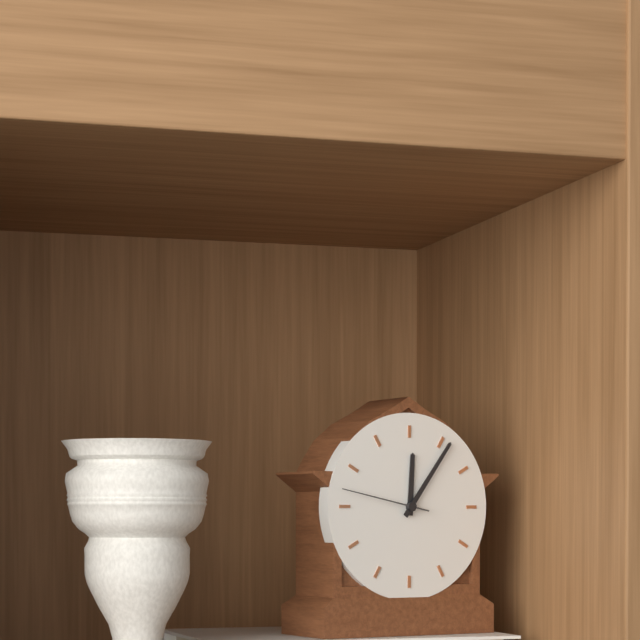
**12:06:47**
